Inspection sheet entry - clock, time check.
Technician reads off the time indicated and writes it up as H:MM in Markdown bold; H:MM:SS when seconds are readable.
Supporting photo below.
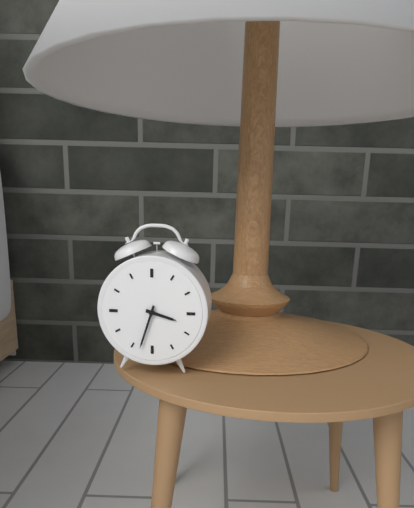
**3:33**
